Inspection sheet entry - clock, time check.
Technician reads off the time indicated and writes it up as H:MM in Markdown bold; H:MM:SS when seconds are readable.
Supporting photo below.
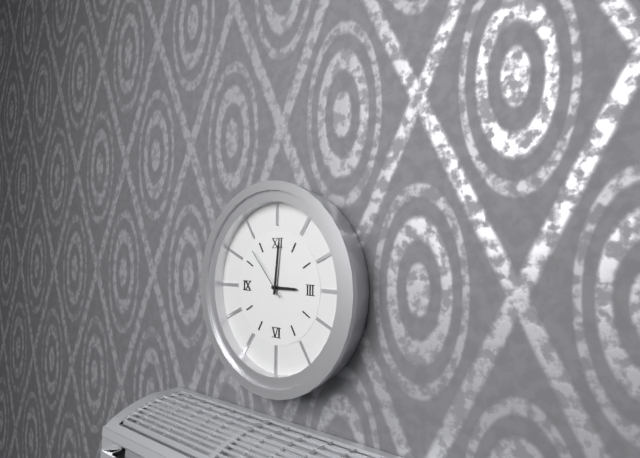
**3:01:53**
